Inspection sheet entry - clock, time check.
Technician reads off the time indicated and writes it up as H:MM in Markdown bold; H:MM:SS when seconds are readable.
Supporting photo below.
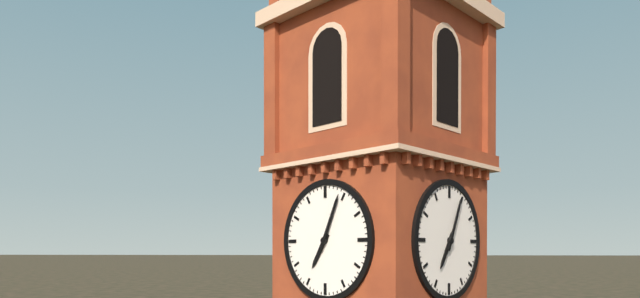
**7:04**
